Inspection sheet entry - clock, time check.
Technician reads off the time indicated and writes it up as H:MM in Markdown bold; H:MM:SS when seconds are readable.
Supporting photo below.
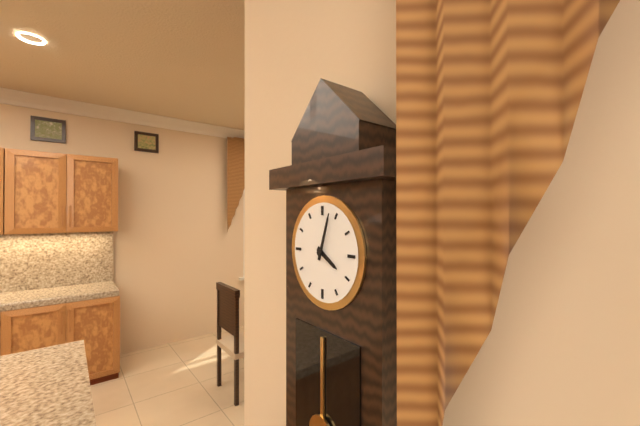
**4:03**
